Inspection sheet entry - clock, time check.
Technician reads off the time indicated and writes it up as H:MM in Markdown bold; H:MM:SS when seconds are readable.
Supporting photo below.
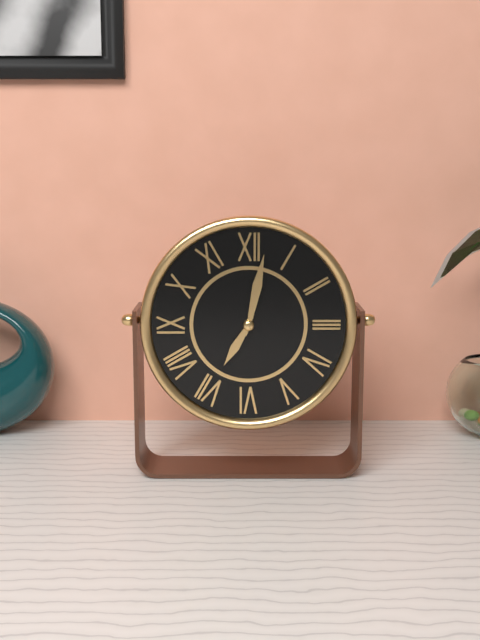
**7:02**
